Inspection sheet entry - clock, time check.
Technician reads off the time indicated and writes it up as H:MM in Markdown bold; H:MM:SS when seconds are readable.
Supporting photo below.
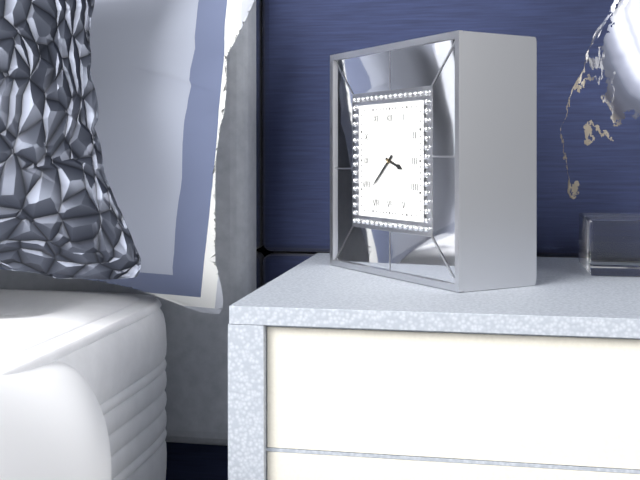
**3:38**
